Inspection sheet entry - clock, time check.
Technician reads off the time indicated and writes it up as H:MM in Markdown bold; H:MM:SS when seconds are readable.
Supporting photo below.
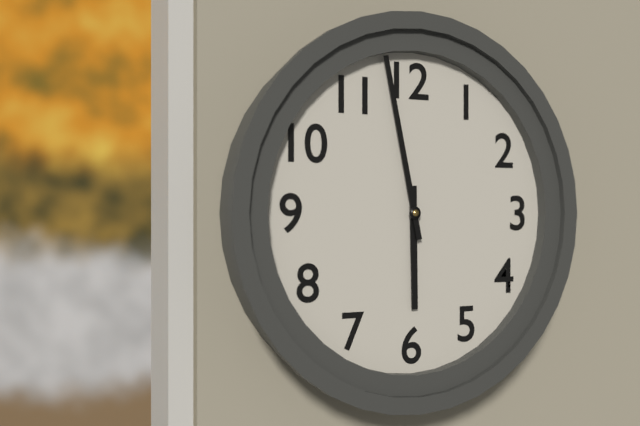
**5:58**
